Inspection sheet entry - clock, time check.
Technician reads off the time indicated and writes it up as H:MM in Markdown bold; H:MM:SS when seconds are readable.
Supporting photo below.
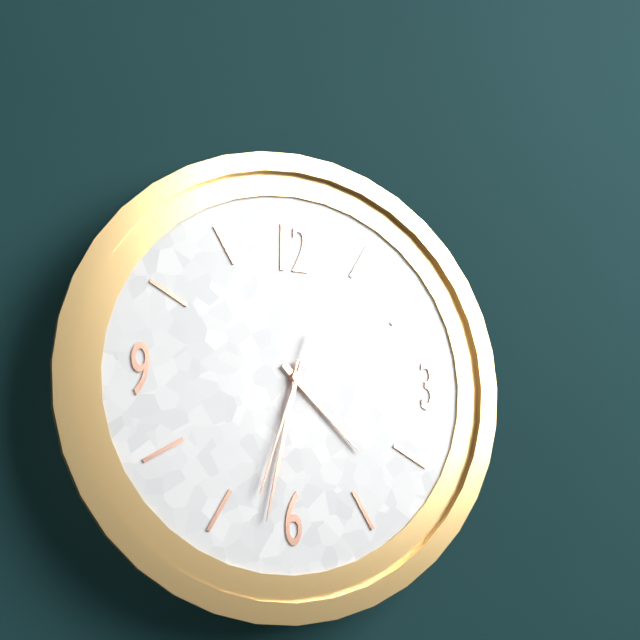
**4:32:33**
